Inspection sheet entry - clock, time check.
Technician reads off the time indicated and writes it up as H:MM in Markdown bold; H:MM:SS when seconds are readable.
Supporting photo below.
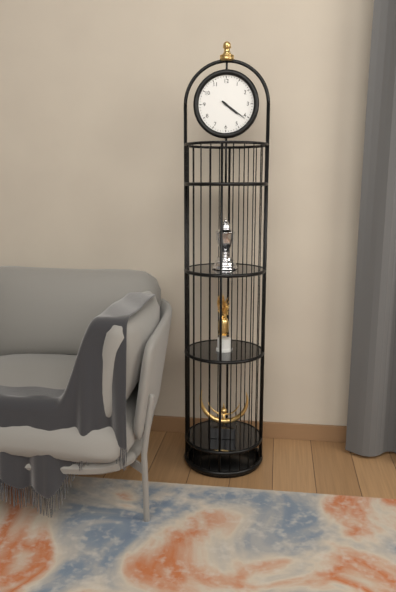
**4:21**
